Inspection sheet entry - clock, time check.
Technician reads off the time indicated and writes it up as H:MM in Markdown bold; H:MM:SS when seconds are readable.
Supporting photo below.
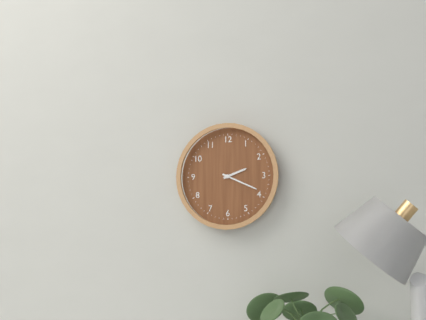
**2:19**
